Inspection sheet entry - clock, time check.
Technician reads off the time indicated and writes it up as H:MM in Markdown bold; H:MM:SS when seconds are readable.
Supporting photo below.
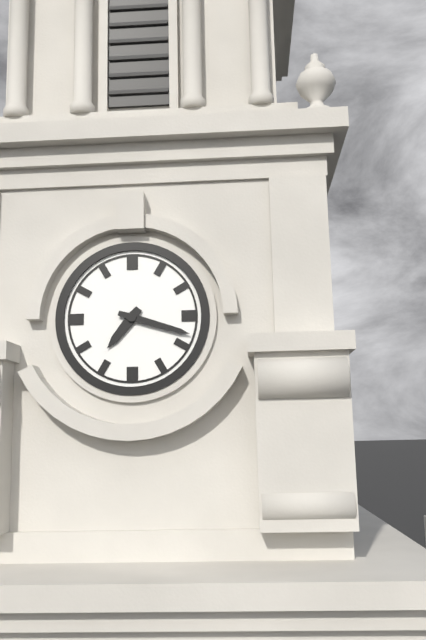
**7:18**
